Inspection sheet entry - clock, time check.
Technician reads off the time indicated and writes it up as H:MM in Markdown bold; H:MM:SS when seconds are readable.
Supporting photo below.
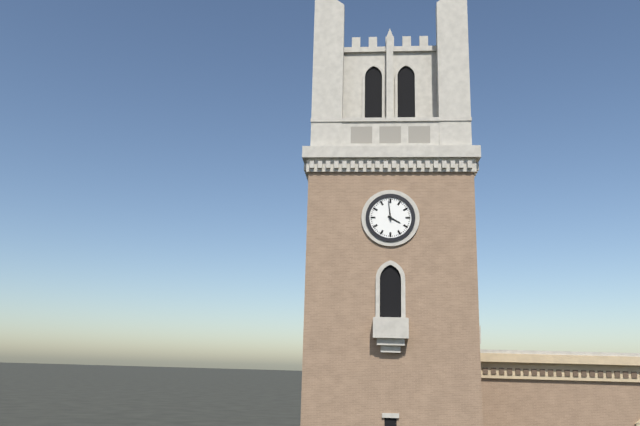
**3:59**
